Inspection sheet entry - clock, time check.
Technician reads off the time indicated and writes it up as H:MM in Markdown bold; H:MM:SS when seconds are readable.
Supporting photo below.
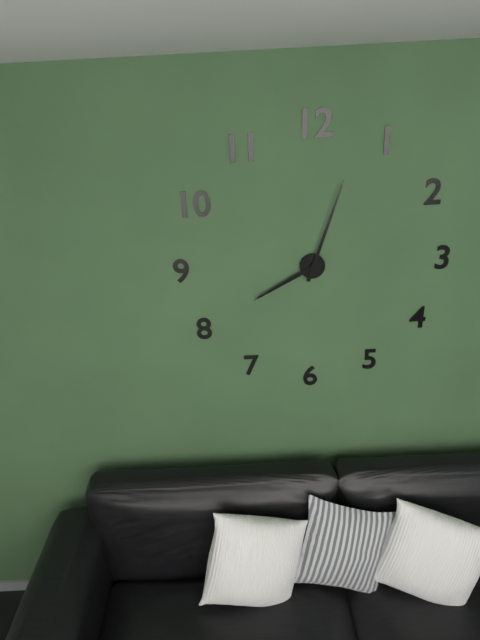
**8:03**
